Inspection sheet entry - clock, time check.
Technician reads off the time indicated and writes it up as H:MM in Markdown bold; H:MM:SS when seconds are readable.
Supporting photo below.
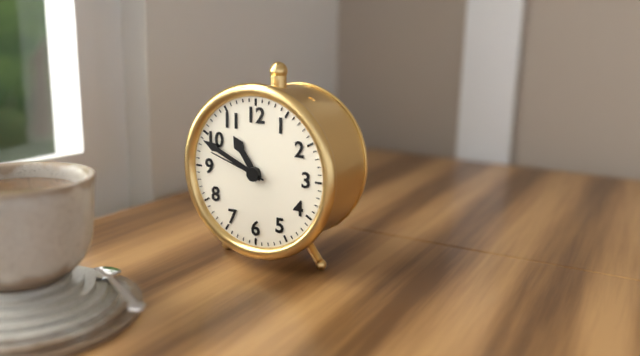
**10:49:48**
